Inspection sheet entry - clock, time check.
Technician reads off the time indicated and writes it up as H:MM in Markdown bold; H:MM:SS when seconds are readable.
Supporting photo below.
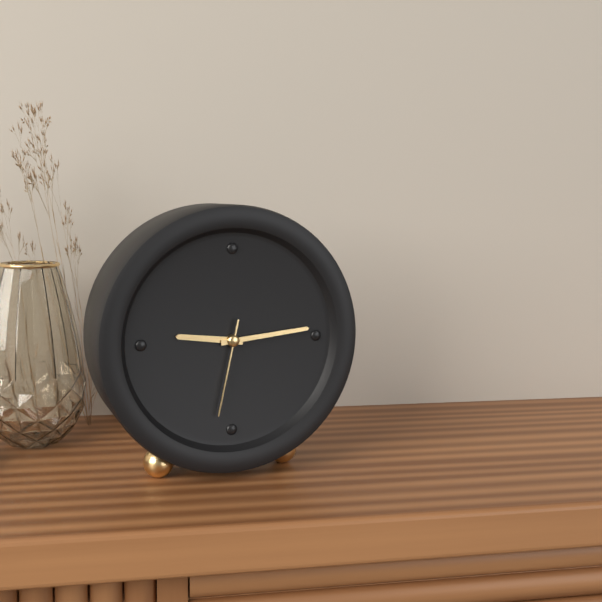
**9:14:32**
